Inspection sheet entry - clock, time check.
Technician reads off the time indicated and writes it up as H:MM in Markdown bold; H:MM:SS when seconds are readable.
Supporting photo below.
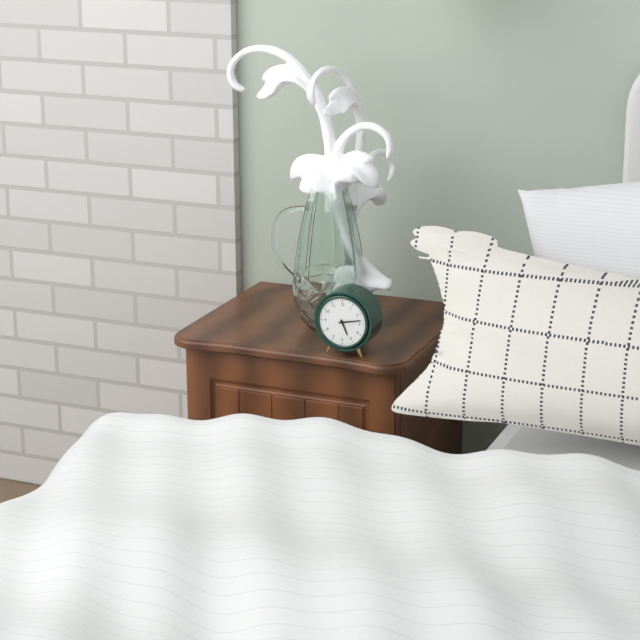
**5:13**
